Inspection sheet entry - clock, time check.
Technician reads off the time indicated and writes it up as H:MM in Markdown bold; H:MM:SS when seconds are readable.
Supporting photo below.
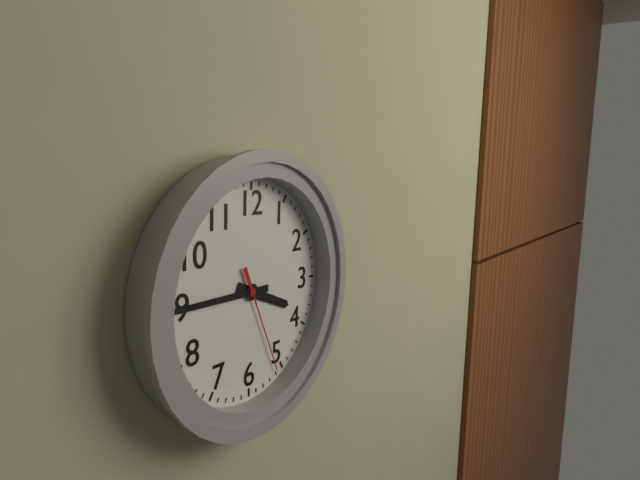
**3:45:26**
